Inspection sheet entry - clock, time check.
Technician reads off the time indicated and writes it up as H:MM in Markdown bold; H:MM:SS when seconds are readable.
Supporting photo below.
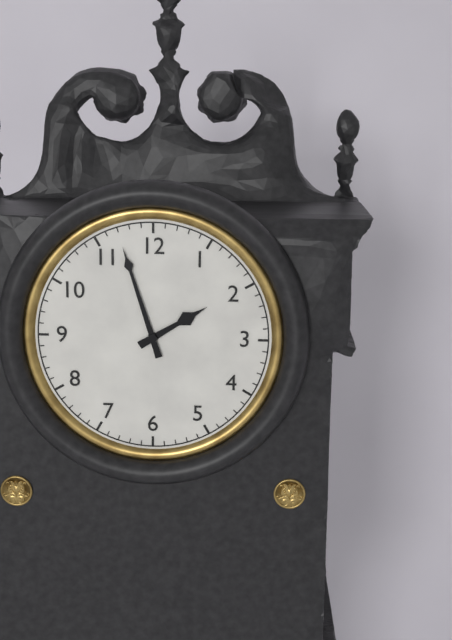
**1:57**
